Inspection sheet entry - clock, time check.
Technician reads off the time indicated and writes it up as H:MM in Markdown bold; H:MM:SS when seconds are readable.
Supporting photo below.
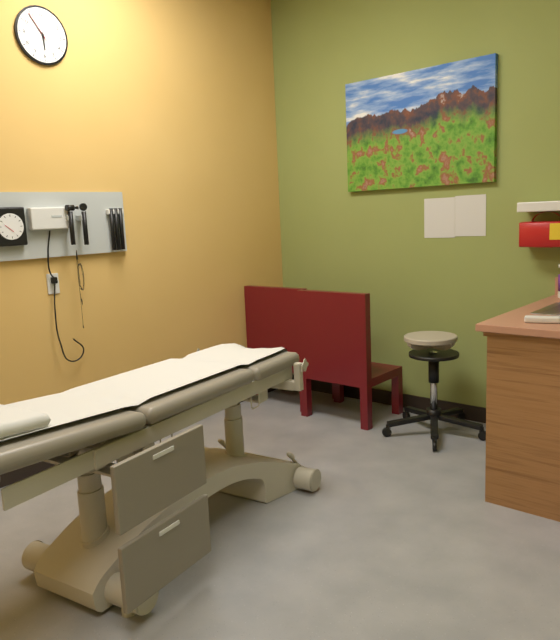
**5:54**
